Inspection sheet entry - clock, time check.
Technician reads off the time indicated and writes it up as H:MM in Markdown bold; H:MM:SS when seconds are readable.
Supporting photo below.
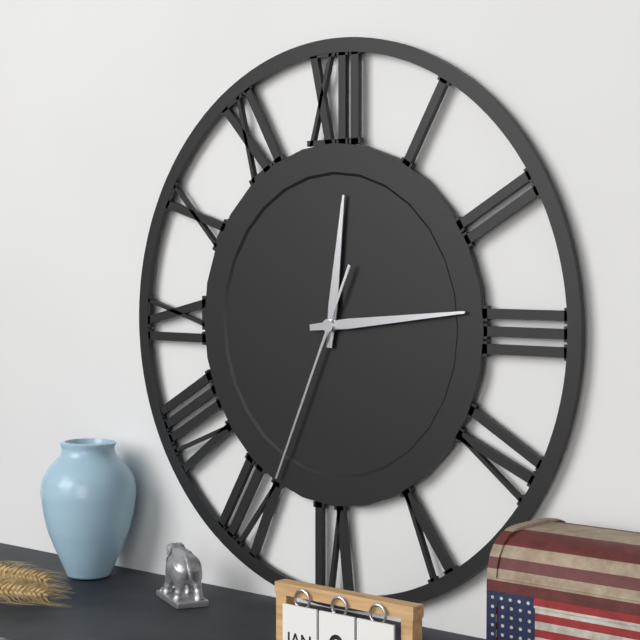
**12:14:34**
